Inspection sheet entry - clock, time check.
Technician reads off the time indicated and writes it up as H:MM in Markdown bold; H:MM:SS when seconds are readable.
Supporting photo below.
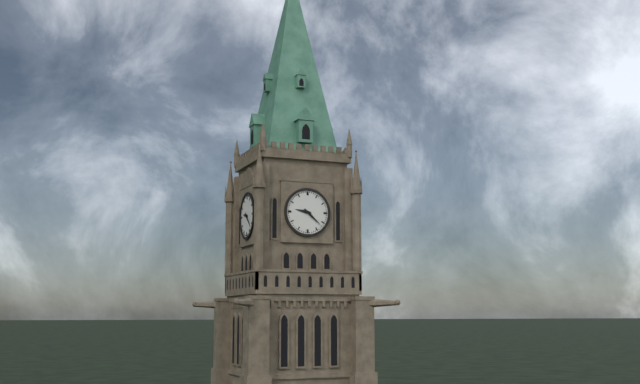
**9:22**
